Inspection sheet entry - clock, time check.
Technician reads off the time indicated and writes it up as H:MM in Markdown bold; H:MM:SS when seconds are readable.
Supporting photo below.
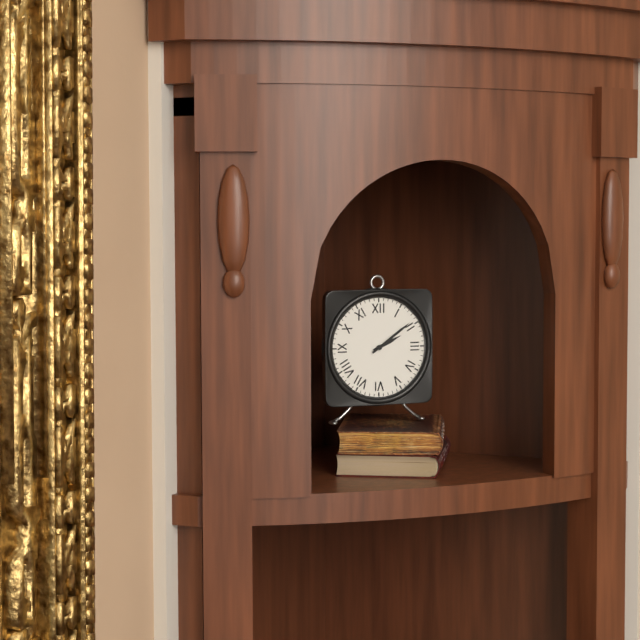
**2:09**
